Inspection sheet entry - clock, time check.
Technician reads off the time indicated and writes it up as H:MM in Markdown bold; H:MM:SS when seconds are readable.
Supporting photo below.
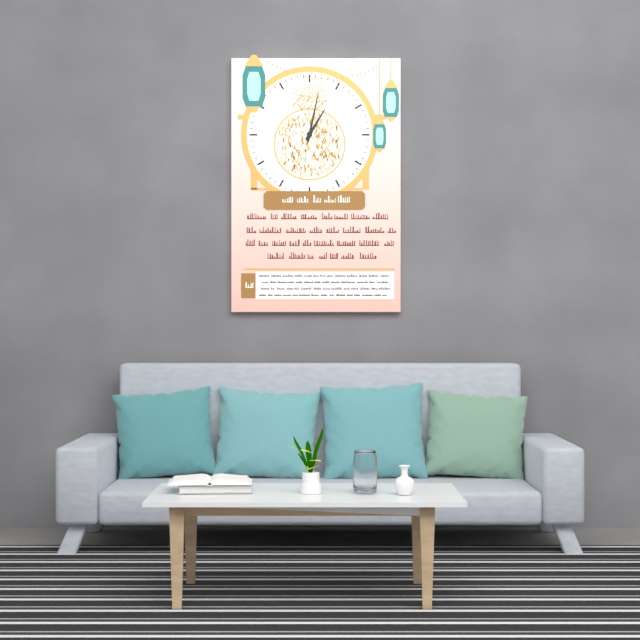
**1:02**
